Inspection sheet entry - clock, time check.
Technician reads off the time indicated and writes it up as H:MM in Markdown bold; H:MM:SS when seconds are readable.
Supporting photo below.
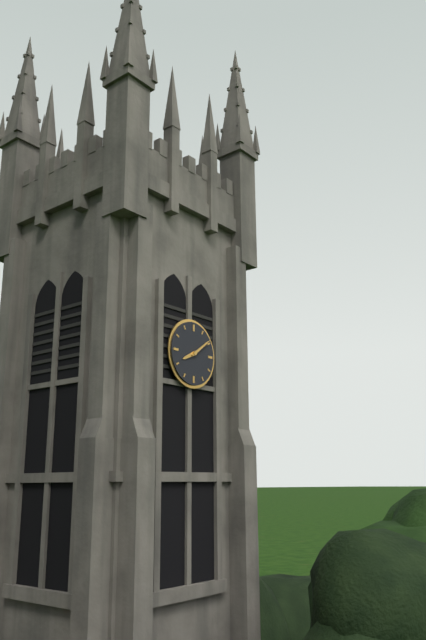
**8:09**
